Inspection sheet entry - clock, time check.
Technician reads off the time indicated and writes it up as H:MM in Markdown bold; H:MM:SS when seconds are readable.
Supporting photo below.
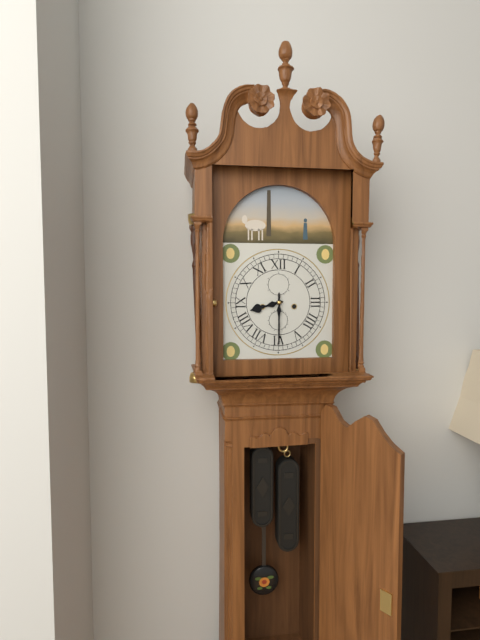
**8:30**
